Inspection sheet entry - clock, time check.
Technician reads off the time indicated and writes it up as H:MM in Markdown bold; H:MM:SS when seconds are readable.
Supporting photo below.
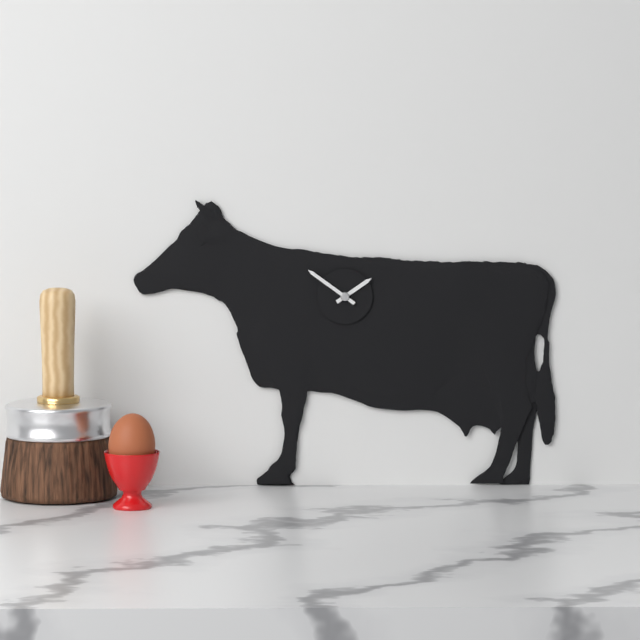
**1:51**
